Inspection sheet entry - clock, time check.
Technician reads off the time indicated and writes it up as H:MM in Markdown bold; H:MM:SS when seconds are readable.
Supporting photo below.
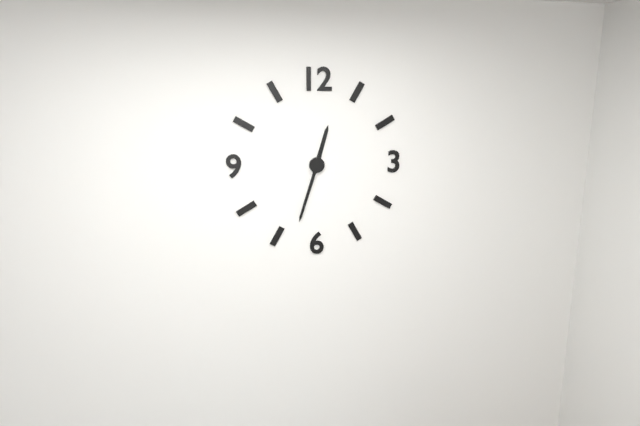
**12:33**
